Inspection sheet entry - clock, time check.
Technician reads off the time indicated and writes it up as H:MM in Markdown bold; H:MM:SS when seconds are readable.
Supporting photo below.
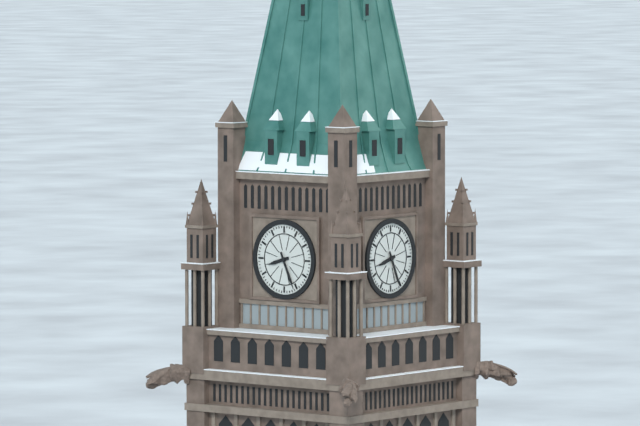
**8:26**
